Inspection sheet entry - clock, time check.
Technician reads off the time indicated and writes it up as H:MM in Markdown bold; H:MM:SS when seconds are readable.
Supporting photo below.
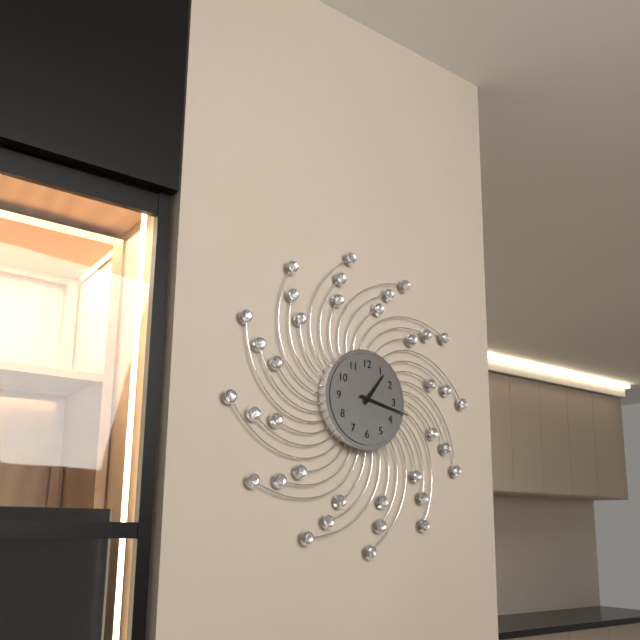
**1:17**
